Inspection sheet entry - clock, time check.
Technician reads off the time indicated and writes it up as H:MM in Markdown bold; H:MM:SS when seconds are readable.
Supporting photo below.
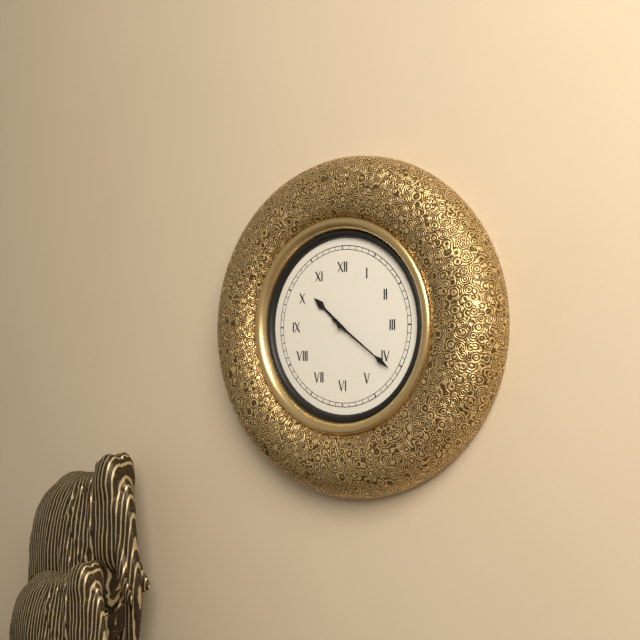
**10:21**
